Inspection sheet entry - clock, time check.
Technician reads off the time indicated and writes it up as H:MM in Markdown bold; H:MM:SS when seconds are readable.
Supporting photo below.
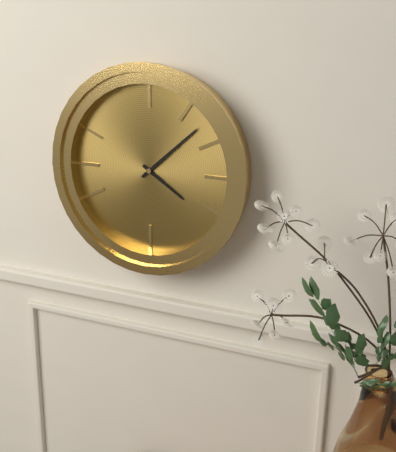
**4:08**
